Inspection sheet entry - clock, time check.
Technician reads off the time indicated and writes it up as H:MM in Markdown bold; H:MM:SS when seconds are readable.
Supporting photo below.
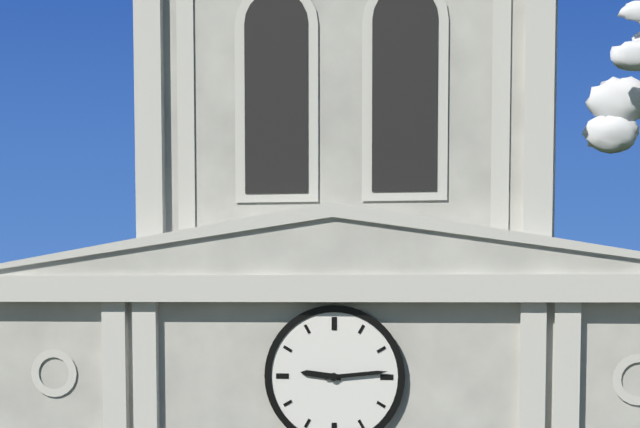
**9:14**
